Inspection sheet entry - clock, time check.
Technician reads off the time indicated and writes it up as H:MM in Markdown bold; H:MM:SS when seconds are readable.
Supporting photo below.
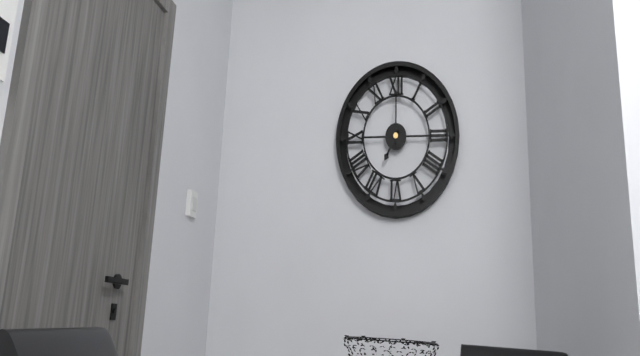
**7:00**
